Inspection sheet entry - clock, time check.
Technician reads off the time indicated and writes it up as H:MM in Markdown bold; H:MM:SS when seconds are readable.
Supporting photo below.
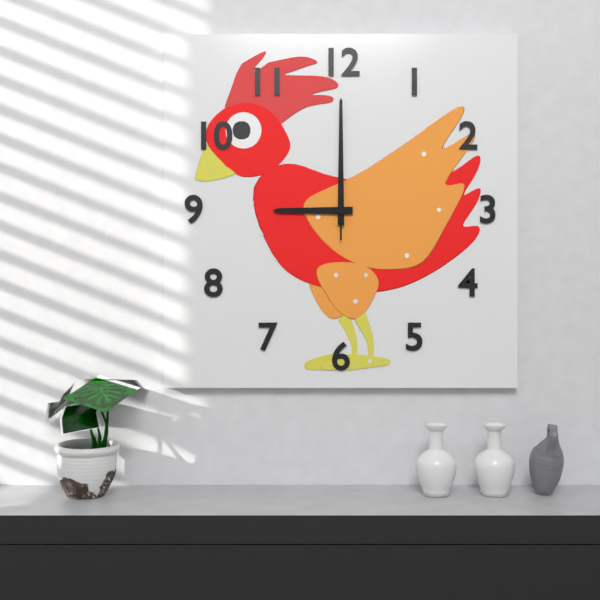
**9:00:00**
